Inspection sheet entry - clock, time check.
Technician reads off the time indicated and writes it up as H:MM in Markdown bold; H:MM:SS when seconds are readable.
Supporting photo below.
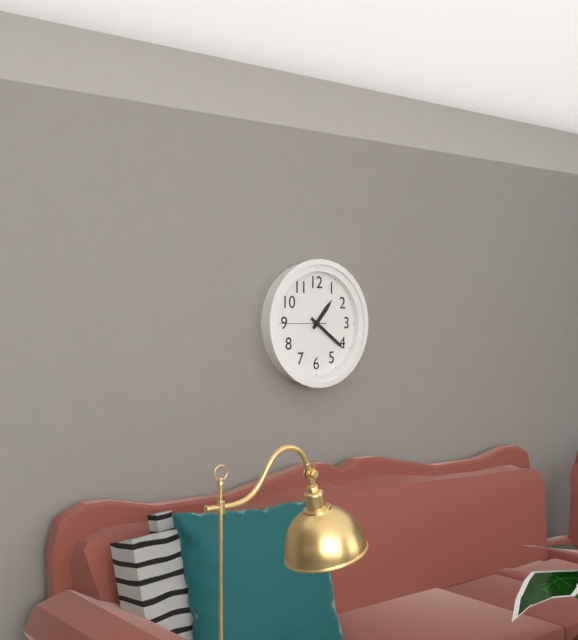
**1:21**
